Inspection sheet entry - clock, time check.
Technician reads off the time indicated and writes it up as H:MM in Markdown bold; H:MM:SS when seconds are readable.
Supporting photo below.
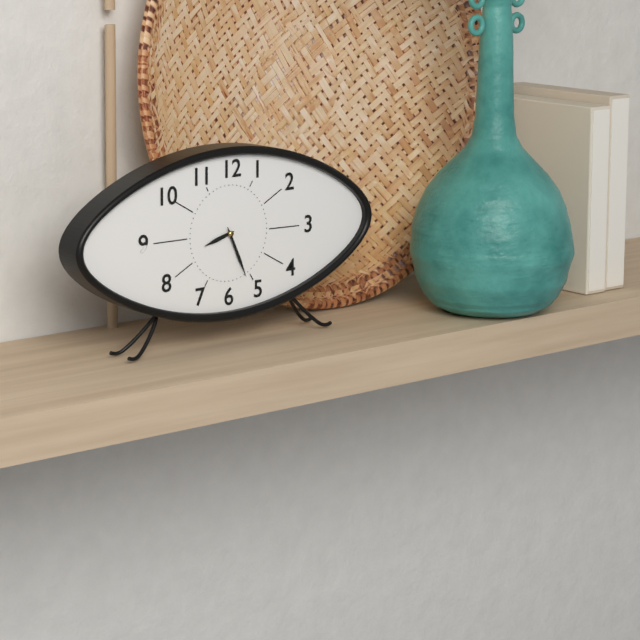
**8:26**
